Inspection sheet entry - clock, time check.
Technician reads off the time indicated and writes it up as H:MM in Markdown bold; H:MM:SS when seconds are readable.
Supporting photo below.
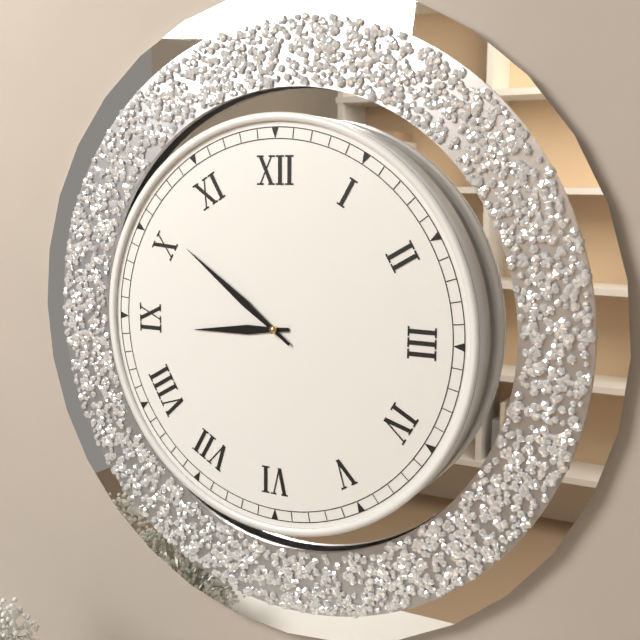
**8:51**
